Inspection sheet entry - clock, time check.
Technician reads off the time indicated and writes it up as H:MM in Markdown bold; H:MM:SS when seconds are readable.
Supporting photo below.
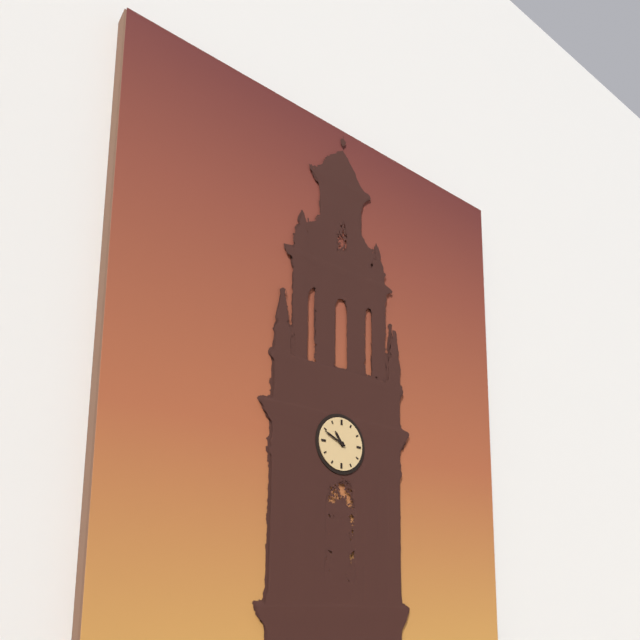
**10:49**
